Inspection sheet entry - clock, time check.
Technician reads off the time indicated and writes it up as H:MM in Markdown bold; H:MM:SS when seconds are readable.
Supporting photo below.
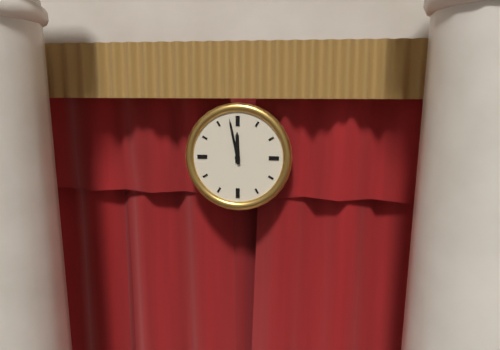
**11:58**
